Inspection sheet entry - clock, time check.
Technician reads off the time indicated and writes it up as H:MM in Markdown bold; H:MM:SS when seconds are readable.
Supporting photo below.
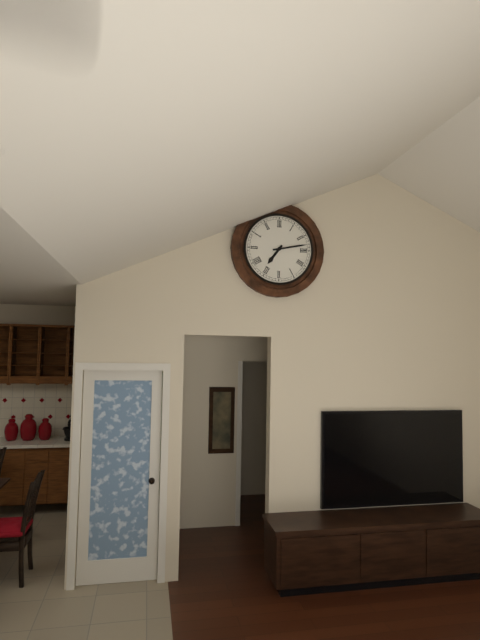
**7:13**
